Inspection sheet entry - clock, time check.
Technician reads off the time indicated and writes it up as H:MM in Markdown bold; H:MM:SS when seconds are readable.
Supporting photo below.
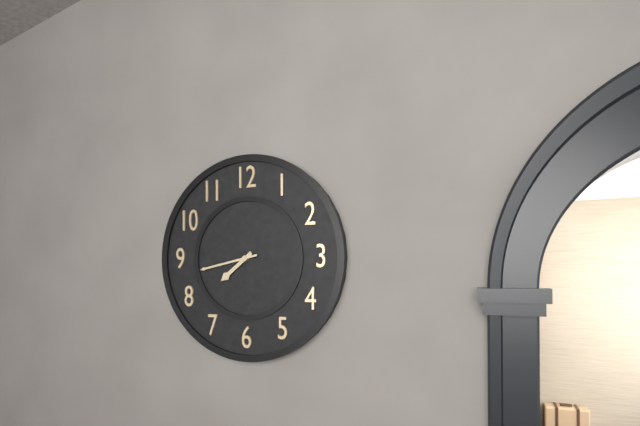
**7:43**
